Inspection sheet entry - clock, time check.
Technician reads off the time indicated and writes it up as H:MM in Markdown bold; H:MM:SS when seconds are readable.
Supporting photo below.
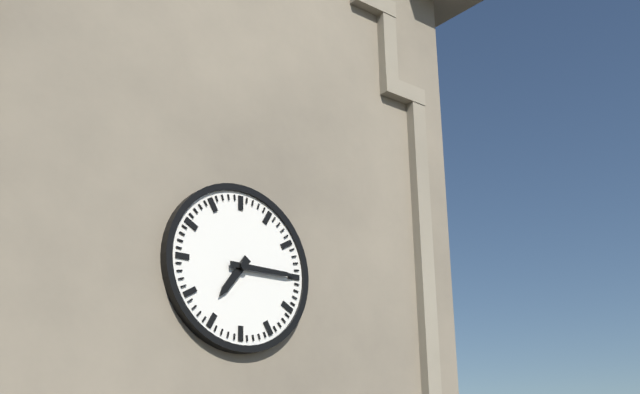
**7:15**
